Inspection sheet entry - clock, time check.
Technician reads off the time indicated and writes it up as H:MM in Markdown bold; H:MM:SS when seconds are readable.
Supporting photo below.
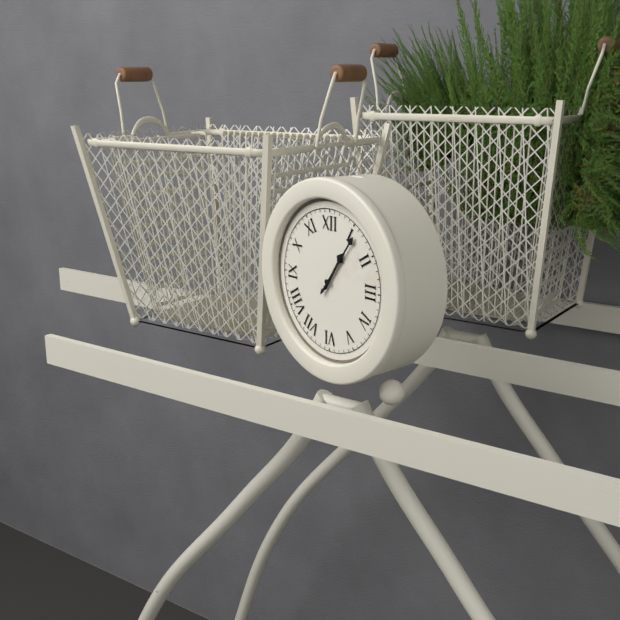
**1:06**
